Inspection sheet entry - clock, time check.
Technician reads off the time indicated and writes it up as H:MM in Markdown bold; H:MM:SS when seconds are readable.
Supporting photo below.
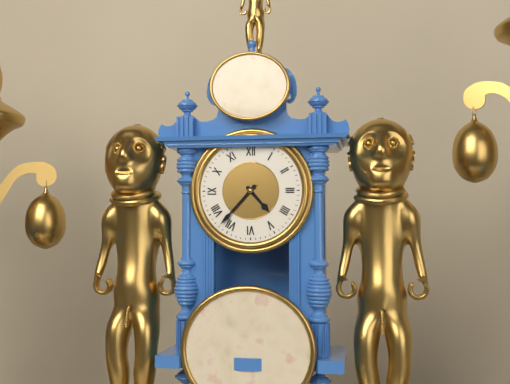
**4:37**
